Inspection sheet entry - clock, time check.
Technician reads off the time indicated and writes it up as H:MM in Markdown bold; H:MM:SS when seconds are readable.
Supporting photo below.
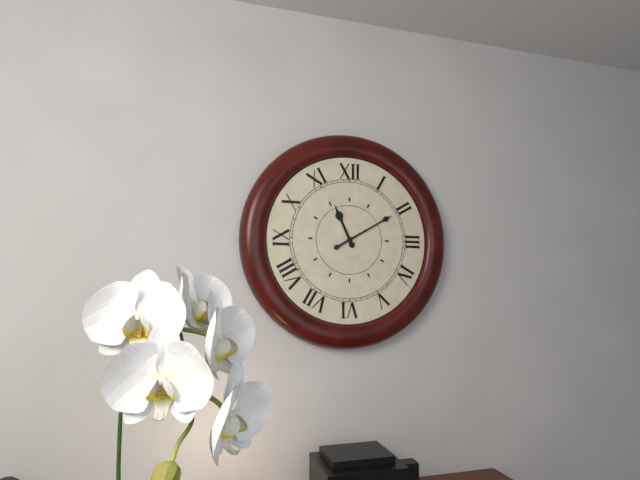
**11:10**
